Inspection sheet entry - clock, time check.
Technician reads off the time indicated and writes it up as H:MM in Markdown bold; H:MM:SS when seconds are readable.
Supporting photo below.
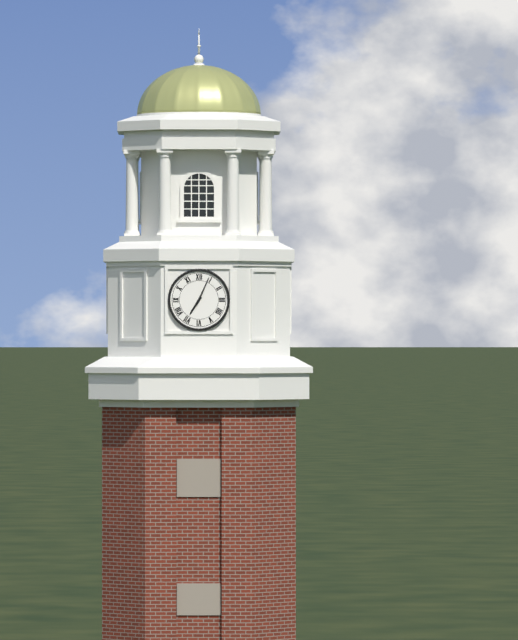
**7:04**
